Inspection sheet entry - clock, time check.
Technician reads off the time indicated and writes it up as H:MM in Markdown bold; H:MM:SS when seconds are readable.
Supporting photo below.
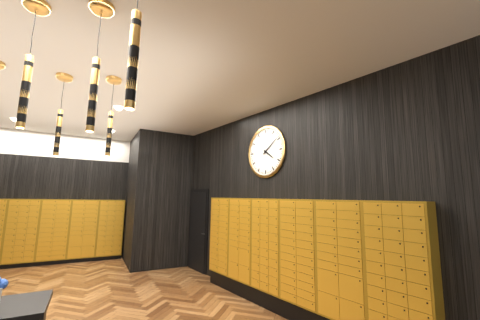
**4:09**
